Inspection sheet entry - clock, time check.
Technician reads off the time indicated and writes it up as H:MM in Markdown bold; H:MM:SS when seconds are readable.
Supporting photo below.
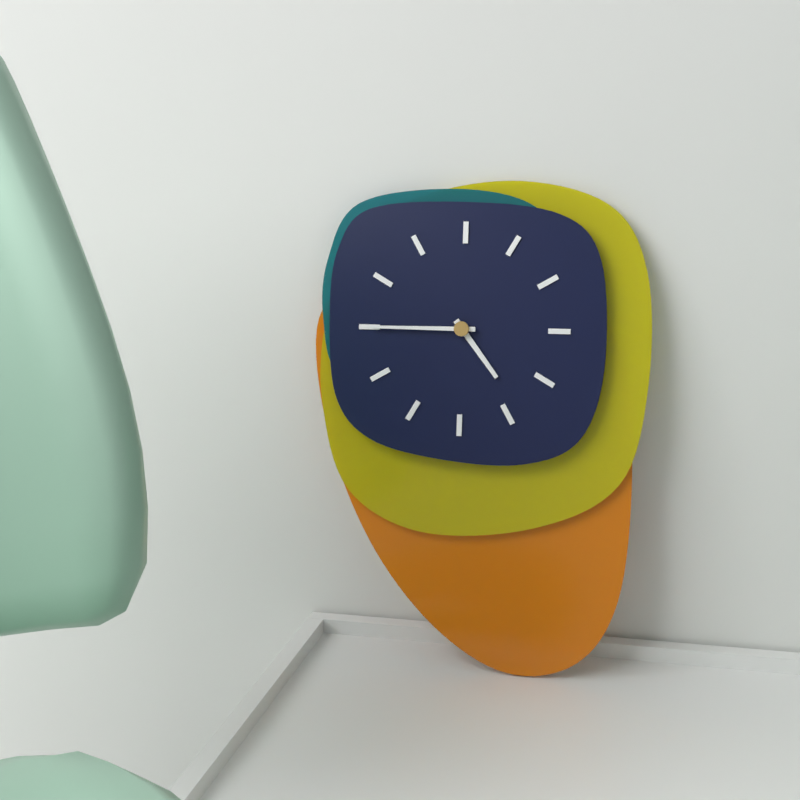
**4:45**
